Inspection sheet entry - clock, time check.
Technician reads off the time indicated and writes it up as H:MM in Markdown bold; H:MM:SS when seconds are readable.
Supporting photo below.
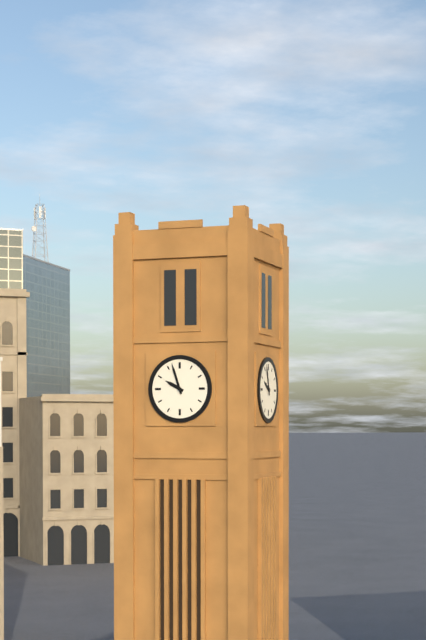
**9:57**
